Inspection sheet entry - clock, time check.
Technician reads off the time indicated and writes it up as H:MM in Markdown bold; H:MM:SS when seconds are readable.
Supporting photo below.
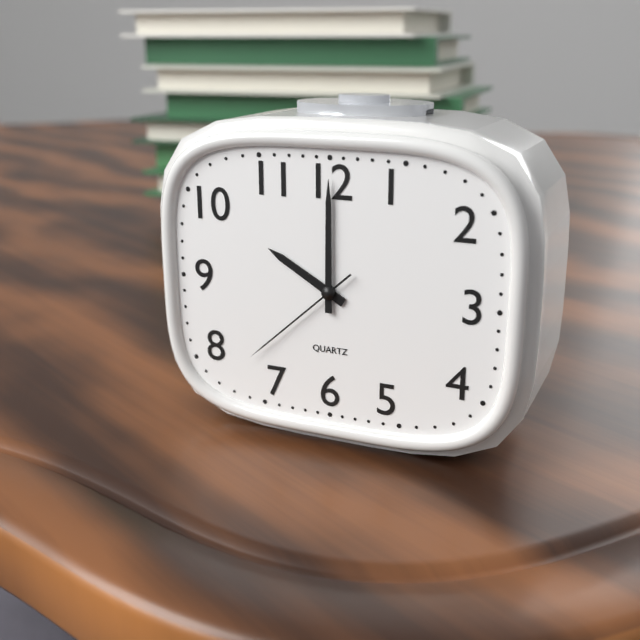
**10:00:38**
